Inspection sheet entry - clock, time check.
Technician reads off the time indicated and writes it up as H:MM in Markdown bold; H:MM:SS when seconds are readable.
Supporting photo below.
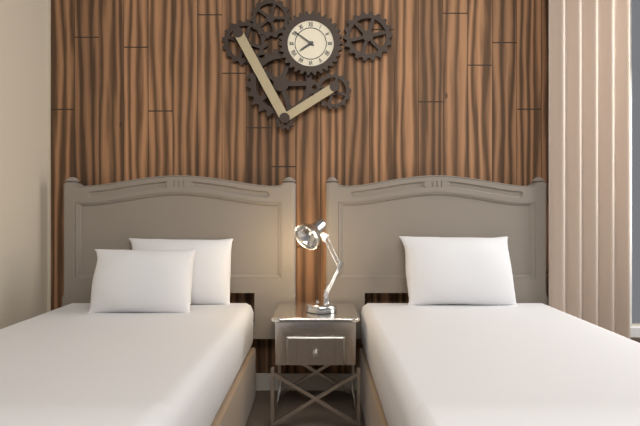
**7:51**
